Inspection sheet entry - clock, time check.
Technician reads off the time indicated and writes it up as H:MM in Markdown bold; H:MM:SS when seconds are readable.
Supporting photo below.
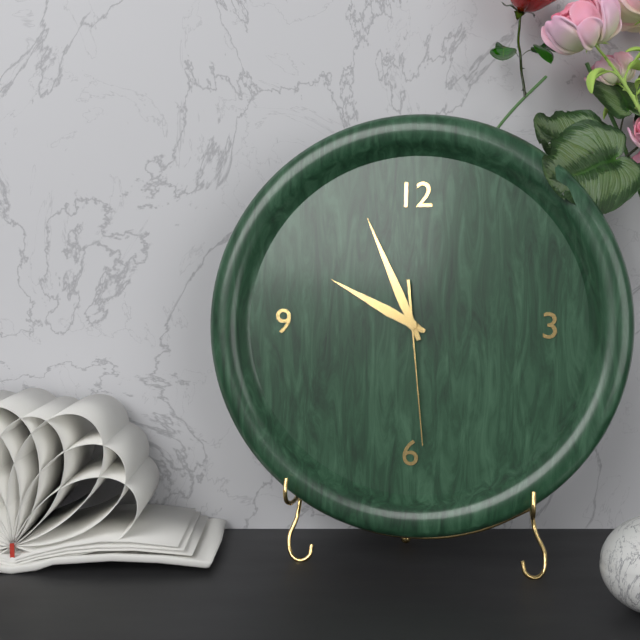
**9:56:29**
